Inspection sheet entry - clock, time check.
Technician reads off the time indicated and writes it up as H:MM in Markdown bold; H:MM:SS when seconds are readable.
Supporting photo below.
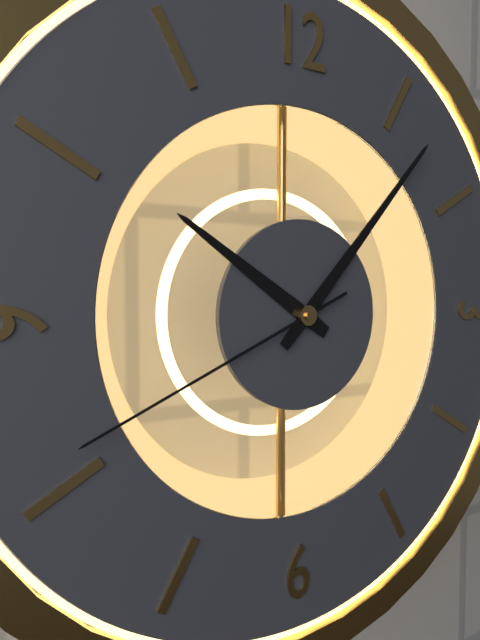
**10:07:41**
